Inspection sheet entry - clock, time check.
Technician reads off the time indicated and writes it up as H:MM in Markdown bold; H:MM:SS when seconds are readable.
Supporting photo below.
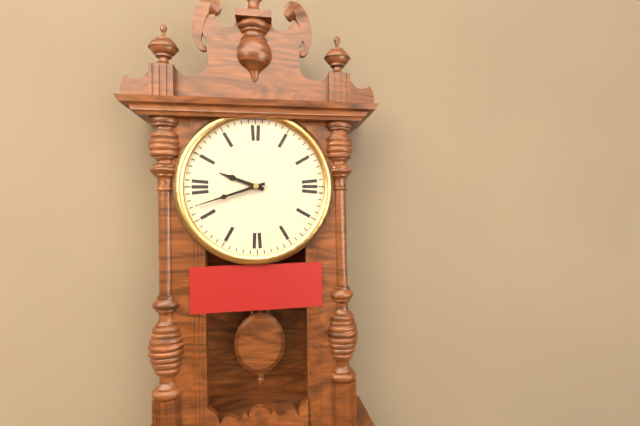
**9:42**
